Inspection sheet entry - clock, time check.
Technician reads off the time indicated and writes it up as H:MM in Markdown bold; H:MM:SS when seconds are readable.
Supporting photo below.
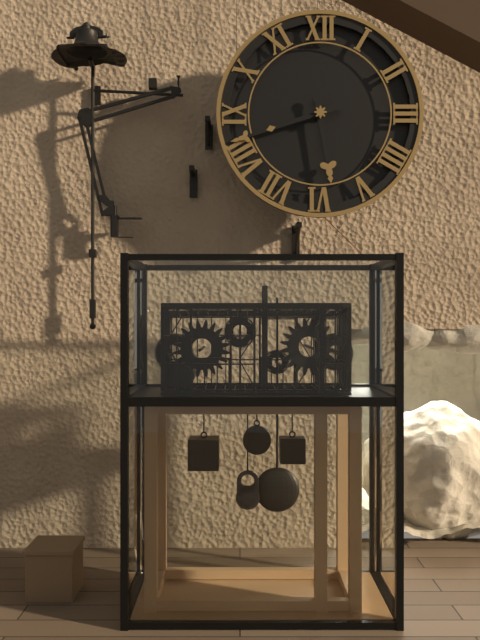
**5:42**
